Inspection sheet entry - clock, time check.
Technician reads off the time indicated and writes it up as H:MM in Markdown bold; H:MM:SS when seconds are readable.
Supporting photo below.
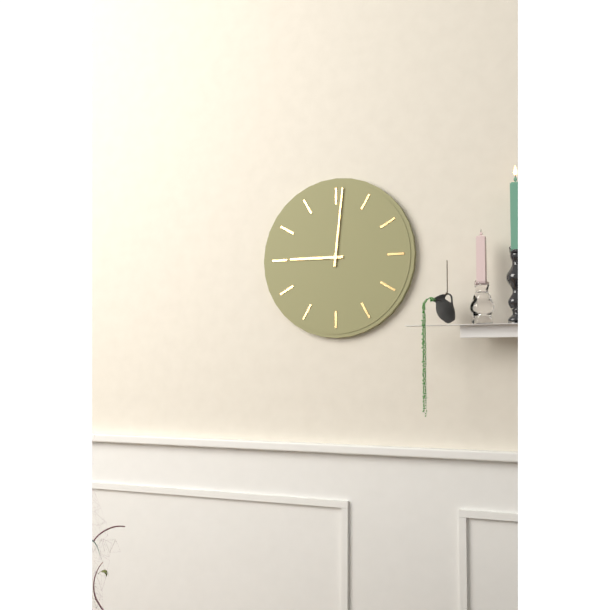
**9:01**
